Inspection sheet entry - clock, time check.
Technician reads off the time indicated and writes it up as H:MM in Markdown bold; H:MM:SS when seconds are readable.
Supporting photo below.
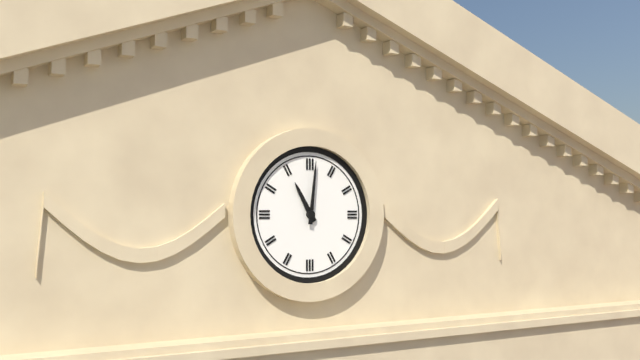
**11:01**
